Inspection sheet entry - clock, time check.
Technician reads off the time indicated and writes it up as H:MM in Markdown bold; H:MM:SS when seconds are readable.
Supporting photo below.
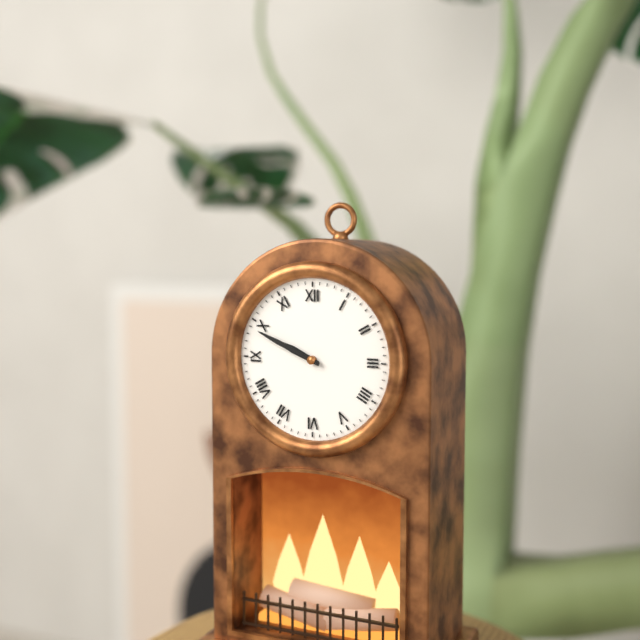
**9:49**
